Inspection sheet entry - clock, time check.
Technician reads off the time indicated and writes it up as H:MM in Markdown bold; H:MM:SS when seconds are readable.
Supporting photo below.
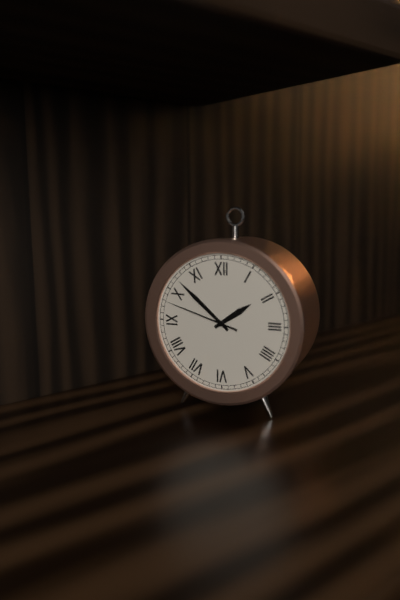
**1:52:48**
